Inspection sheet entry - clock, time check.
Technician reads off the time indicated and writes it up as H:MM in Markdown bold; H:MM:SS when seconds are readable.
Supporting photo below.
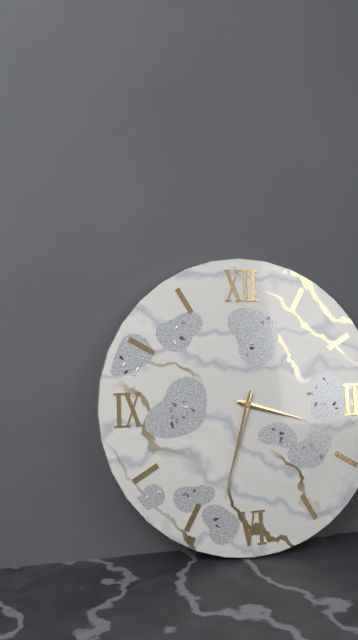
**3:33**
